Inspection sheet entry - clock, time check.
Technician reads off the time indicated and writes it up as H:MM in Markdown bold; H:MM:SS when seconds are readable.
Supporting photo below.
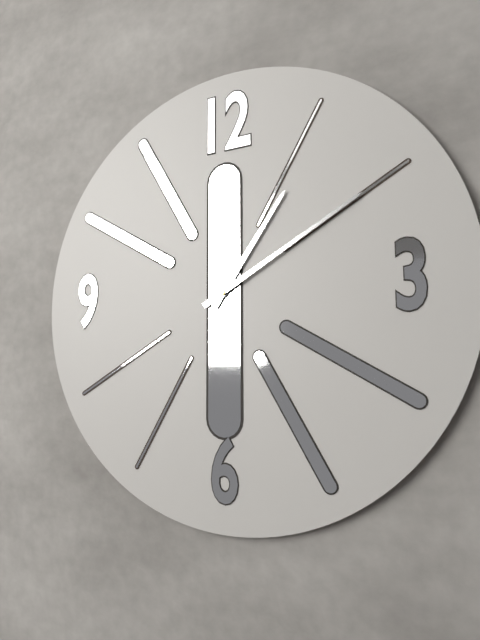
**1:10**
